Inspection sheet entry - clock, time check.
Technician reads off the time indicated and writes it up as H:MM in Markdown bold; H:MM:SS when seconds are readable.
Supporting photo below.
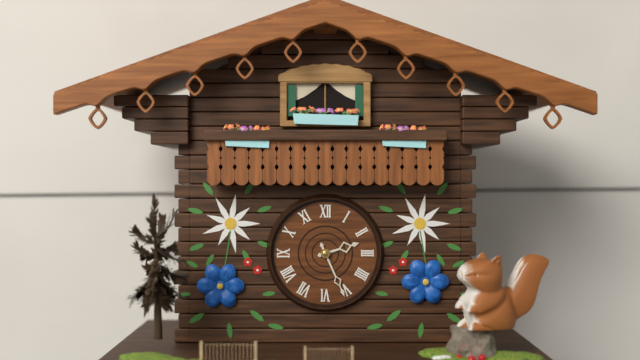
**2:26**
